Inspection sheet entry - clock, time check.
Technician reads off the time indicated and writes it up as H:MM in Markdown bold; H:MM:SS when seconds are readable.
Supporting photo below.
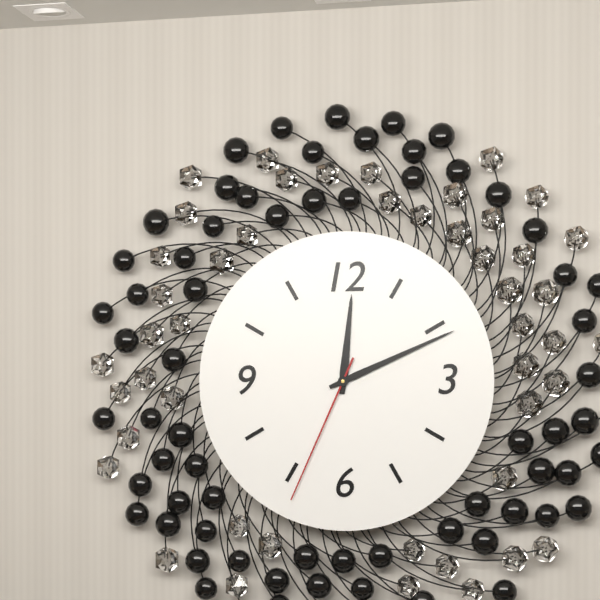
**12:11:34**
